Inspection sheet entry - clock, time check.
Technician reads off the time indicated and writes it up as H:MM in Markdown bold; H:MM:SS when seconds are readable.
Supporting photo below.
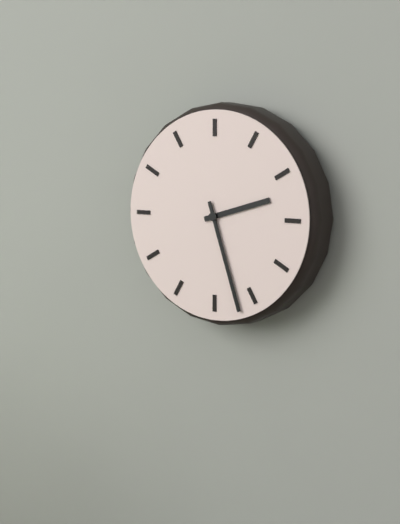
**2:27**
